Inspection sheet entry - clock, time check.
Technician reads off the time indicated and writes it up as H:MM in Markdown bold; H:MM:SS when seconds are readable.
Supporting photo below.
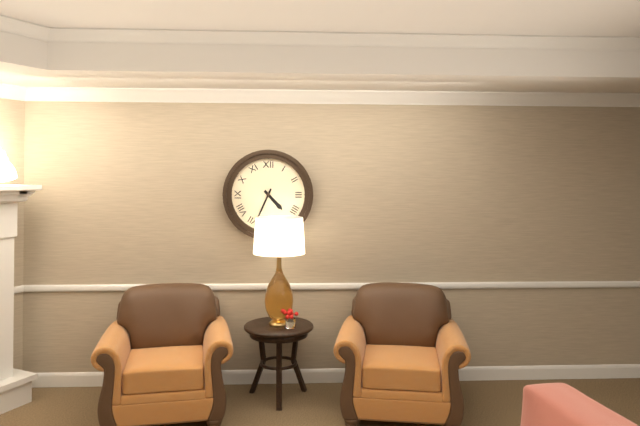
**4:34**
